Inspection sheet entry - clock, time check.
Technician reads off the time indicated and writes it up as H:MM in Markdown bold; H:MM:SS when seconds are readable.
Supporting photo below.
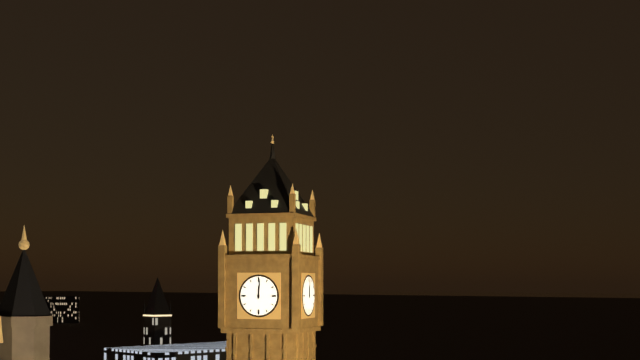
**12:01**
